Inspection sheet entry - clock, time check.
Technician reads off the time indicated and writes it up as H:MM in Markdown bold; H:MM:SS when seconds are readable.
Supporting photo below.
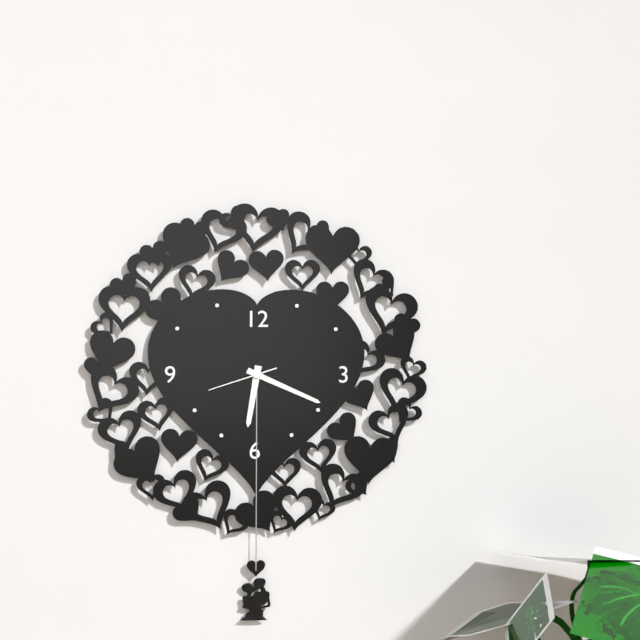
**6:19:42**
